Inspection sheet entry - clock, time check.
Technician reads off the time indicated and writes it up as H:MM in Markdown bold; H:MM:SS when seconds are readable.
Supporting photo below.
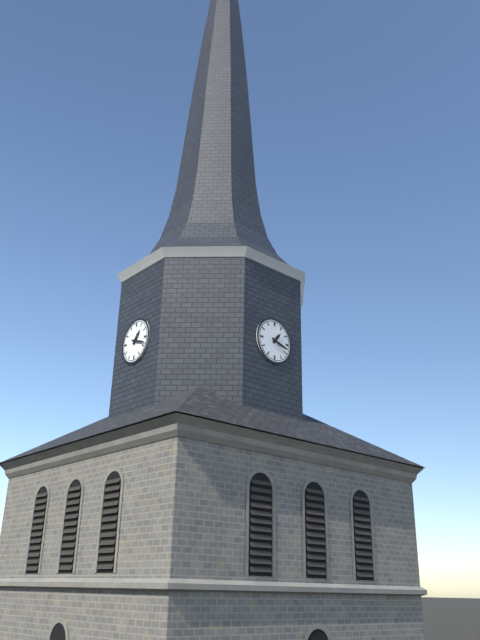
**1:18**
